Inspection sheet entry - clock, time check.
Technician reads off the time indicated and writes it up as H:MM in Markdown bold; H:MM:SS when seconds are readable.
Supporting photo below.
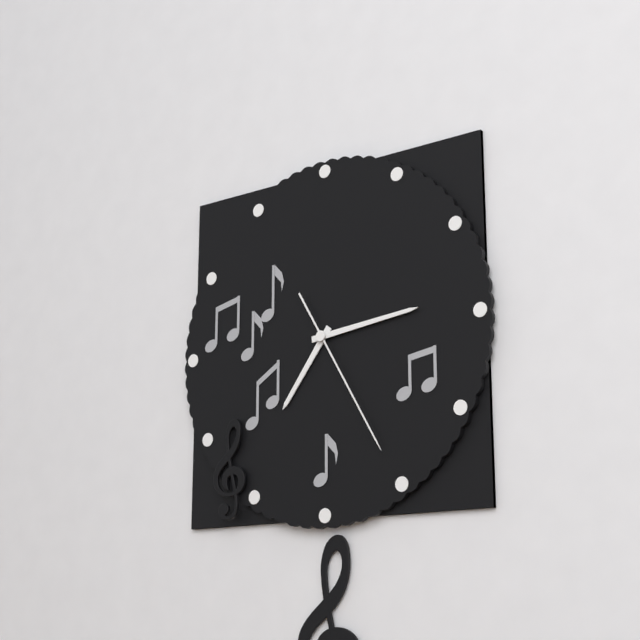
**7:14:25**
